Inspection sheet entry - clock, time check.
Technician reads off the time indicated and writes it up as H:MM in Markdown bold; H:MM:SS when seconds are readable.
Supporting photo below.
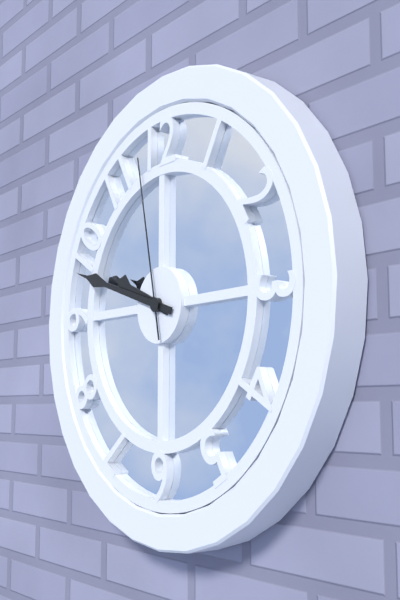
**9:48:58**
